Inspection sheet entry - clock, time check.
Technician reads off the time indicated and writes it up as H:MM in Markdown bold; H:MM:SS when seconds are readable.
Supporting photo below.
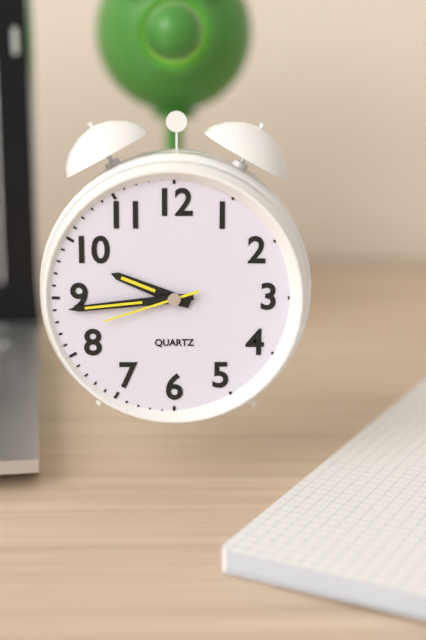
**9:44:42**
